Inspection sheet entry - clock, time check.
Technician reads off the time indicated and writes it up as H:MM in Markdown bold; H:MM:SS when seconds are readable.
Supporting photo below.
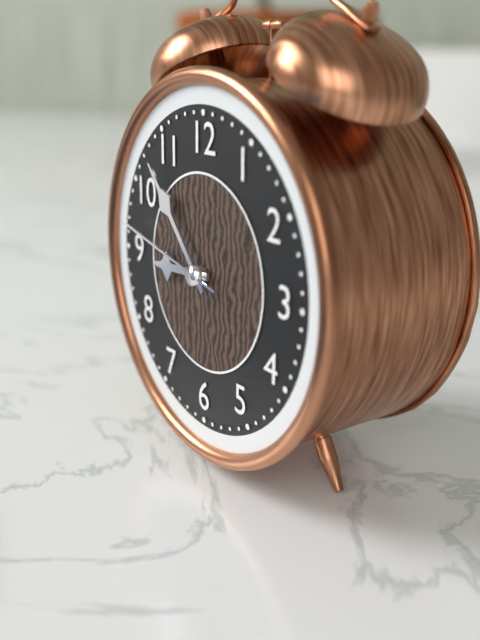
**8:53:47**
